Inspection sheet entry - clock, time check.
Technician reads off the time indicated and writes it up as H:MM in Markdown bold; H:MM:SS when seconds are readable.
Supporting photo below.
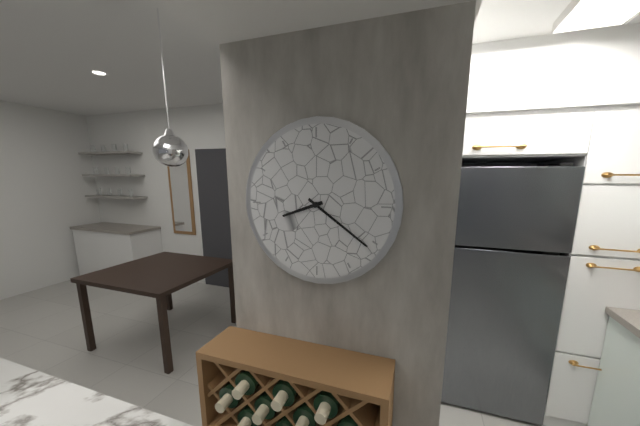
**8:21**
